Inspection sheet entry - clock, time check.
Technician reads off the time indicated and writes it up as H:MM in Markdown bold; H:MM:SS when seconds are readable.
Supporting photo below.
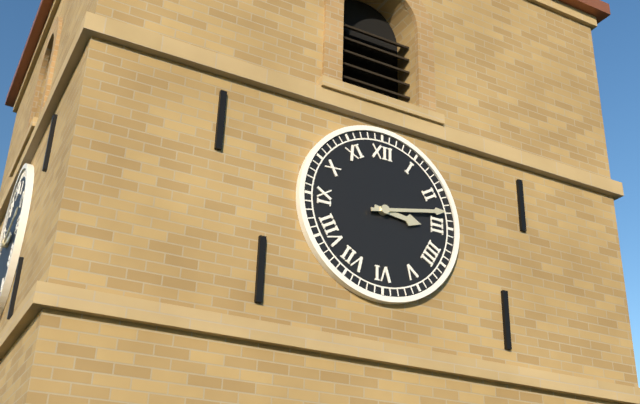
**3:13**
